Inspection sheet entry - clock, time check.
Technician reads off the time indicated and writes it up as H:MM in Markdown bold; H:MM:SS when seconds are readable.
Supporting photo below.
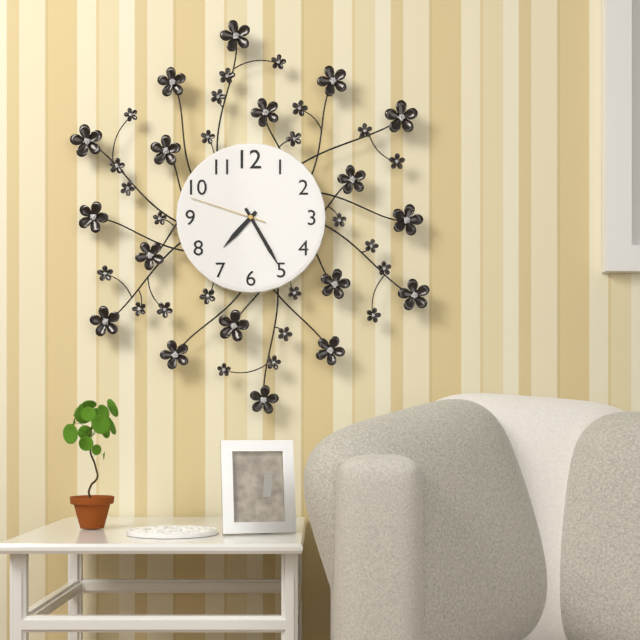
**7:25:48**
